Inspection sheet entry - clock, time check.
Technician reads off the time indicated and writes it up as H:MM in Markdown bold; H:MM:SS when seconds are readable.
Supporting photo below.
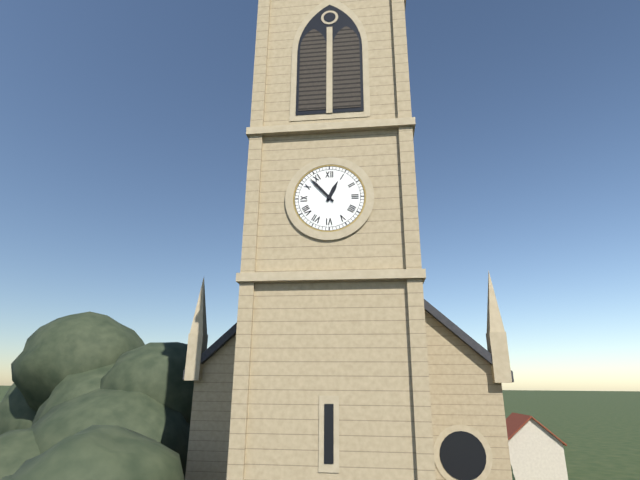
**12:53**
